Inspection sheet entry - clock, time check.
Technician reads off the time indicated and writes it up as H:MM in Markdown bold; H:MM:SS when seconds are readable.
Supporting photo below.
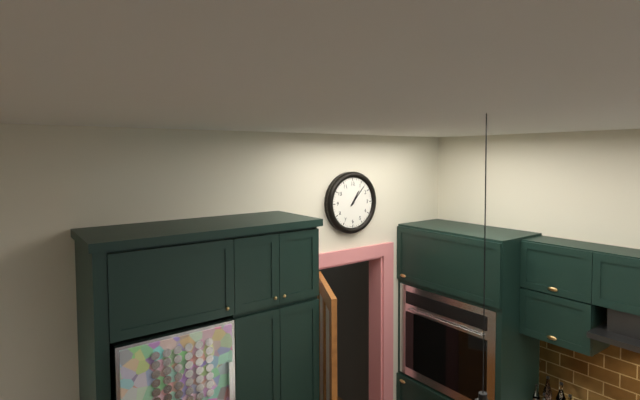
**1:07**
